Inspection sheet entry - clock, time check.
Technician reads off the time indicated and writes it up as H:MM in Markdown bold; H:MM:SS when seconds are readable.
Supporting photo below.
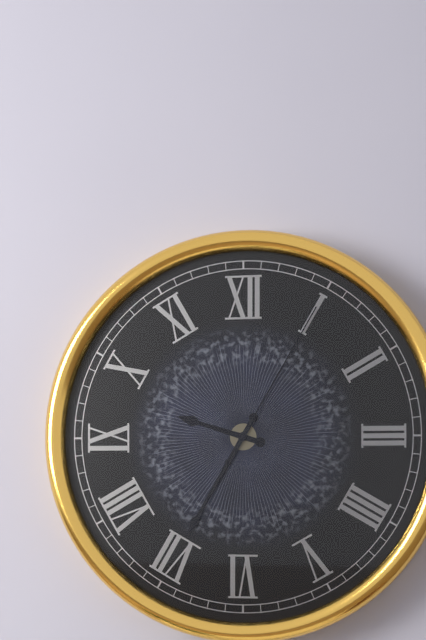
**9:35:05**
